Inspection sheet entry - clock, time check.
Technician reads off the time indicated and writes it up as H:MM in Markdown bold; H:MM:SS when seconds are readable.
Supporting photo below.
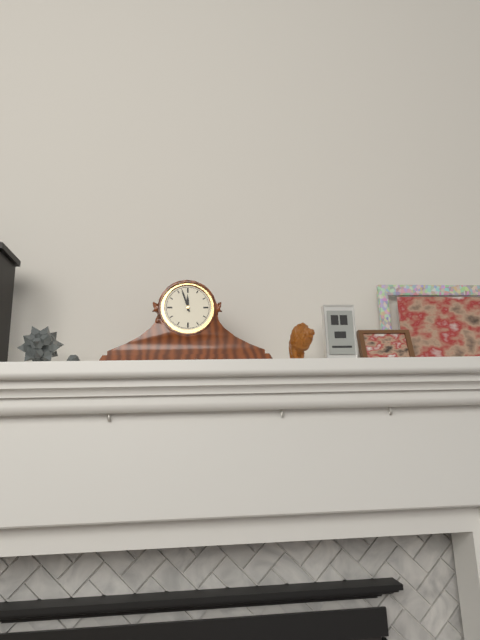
**11:57**
